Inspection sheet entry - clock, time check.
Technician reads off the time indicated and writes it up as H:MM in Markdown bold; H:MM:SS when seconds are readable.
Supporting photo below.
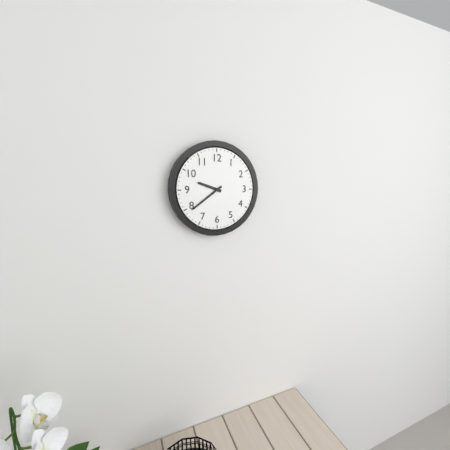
**9:39**
